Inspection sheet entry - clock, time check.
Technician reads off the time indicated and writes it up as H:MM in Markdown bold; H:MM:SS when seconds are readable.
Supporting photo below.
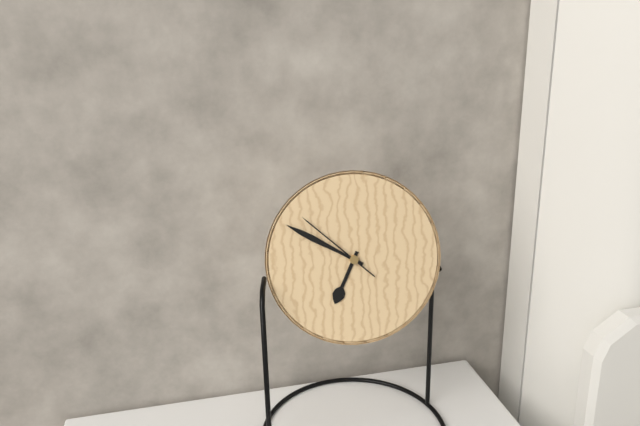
**6:50:52**
